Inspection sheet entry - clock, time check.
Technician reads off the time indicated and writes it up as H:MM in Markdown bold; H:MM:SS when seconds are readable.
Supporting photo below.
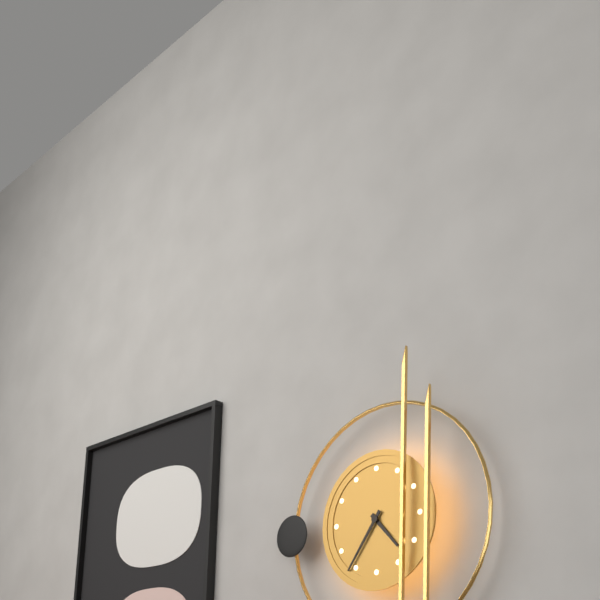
**4:36**
